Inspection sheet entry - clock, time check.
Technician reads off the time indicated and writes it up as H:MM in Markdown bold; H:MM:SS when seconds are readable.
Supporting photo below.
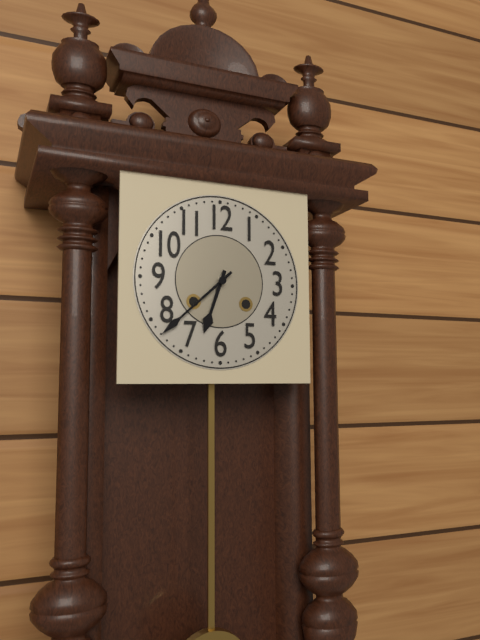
**6:38**
